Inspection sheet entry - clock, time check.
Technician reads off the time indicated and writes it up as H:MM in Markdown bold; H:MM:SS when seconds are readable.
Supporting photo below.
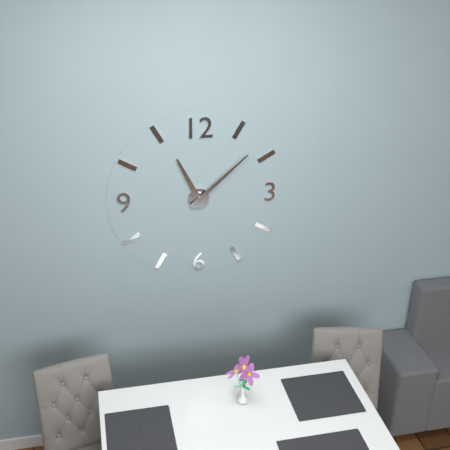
**11:08**
